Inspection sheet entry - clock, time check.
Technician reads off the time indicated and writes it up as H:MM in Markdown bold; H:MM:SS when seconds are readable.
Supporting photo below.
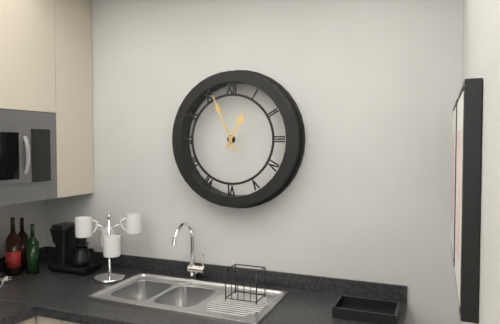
**12:56**
